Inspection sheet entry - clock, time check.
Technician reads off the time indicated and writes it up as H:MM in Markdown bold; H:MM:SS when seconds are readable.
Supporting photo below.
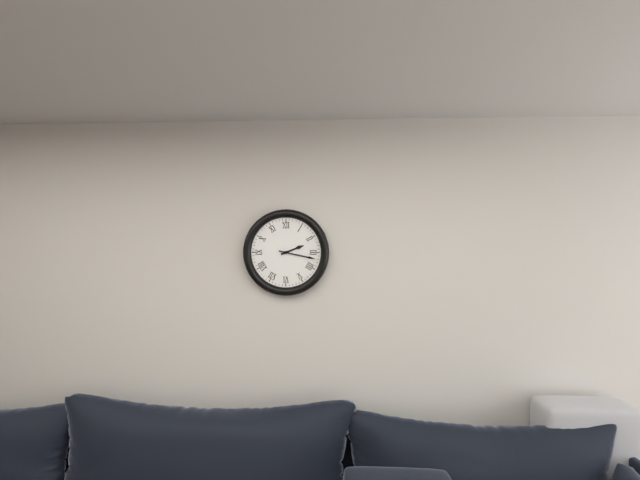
**2:17**
